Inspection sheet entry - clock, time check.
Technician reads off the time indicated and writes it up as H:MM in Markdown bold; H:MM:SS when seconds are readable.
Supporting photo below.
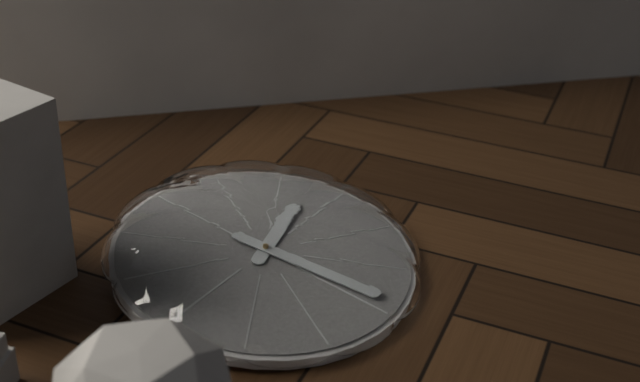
**2:29**
